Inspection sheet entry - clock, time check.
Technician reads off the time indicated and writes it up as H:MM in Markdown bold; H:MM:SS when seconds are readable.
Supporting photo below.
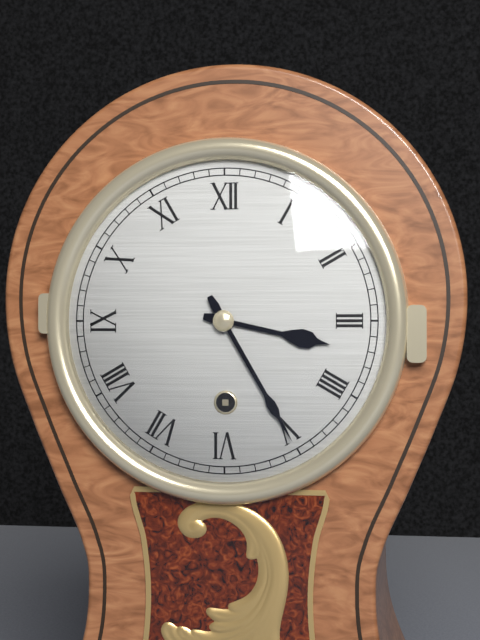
**3:25**
